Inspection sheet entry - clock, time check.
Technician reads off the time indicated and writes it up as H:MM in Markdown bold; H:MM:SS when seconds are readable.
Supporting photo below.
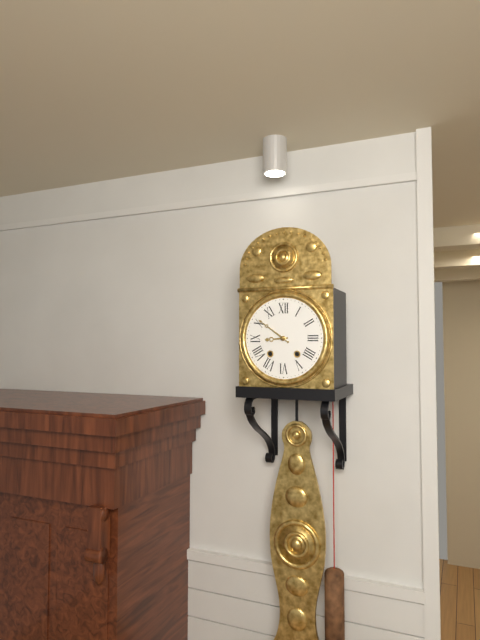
**8:51**
